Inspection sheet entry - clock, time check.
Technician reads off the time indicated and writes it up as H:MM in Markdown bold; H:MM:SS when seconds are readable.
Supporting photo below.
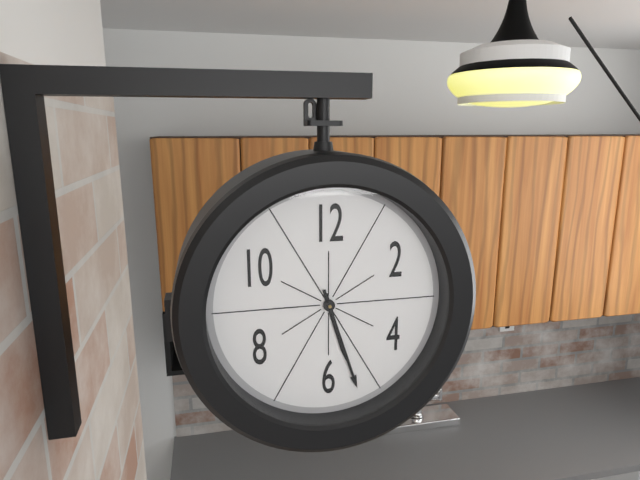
**5:27**
